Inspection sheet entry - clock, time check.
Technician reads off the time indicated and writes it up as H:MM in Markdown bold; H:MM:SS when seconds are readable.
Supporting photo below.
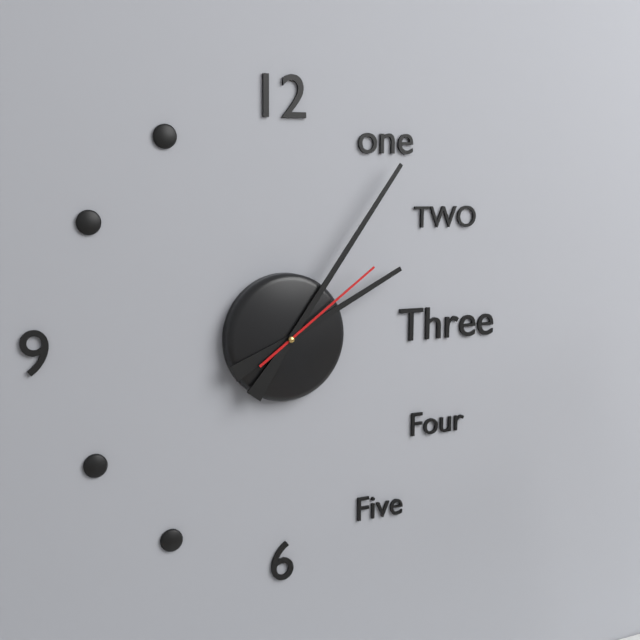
**2:06:09**
